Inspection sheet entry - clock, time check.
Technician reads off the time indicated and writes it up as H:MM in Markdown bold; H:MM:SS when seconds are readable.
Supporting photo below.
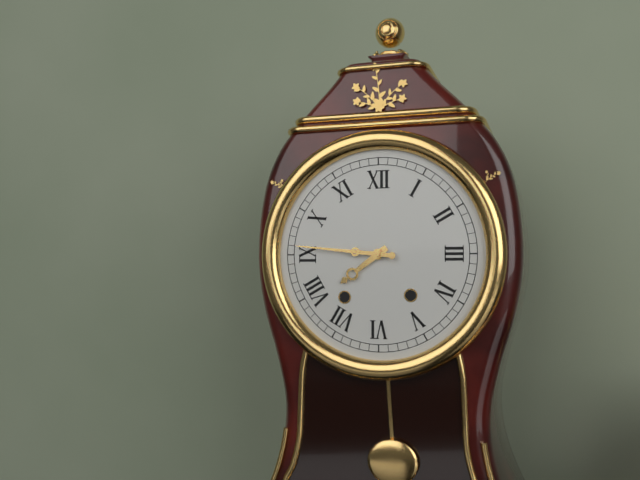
**7:46**
